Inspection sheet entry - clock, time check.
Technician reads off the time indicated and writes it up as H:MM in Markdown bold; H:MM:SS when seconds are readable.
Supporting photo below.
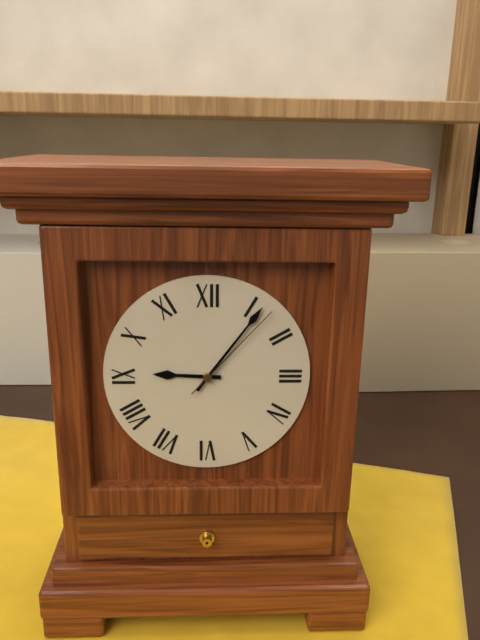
**9:06:07**
